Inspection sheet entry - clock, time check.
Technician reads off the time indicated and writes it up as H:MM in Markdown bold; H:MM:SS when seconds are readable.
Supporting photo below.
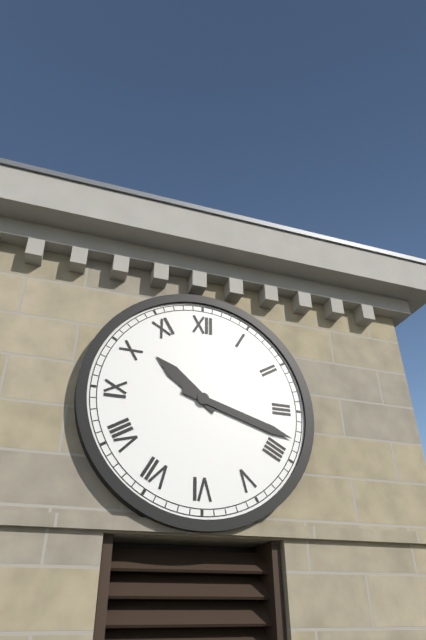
**10:18**
